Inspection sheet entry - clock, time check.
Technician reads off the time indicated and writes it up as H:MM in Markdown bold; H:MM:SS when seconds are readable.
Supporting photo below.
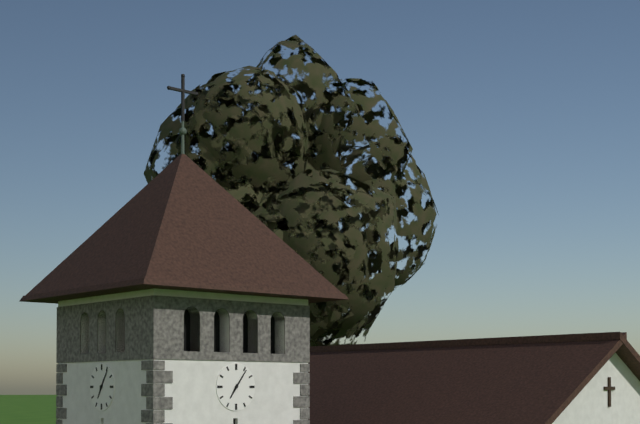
**7:06**
